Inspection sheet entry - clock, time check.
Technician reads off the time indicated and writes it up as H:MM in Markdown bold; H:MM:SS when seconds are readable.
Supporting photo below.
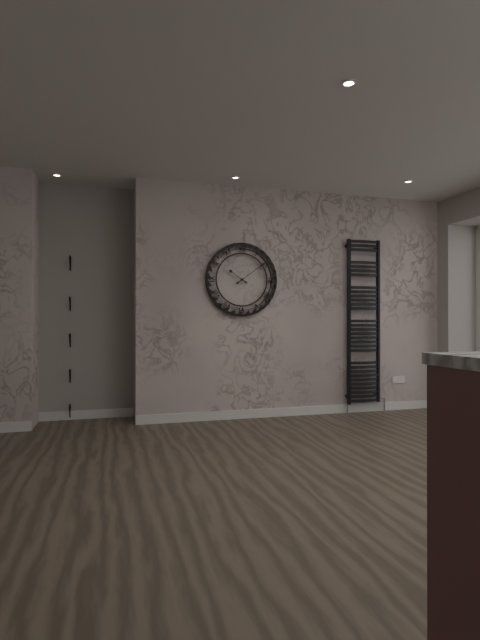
**10:09**
